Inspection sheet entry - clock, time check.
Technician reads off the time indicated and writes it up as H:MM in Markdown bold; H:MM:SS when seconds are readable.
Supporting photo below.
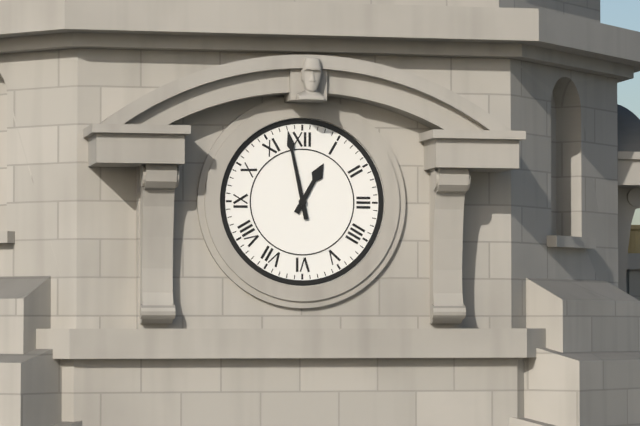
**12:58**
